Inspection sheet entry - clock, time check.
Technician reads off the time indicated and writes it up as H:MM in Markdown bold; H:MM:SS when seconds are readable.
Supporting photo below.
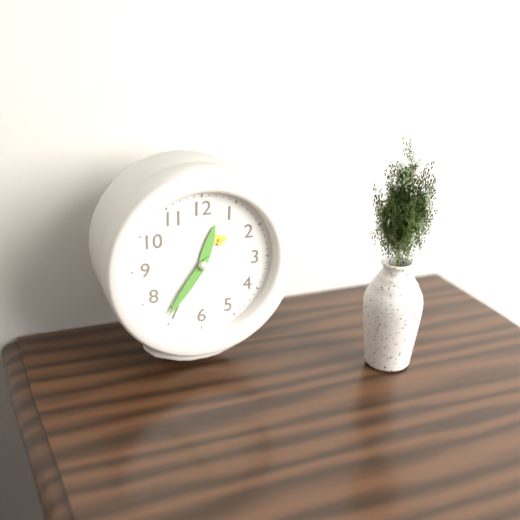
**12:36**
